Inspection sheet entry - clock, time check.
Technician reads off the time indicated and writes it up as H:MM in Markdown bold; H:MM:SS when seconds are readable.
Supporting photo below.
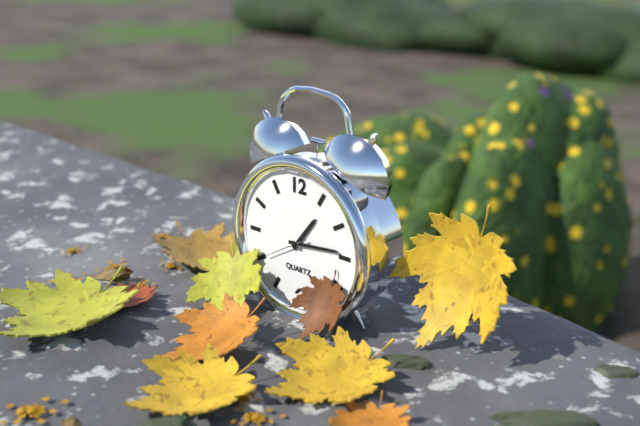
**1:14**
